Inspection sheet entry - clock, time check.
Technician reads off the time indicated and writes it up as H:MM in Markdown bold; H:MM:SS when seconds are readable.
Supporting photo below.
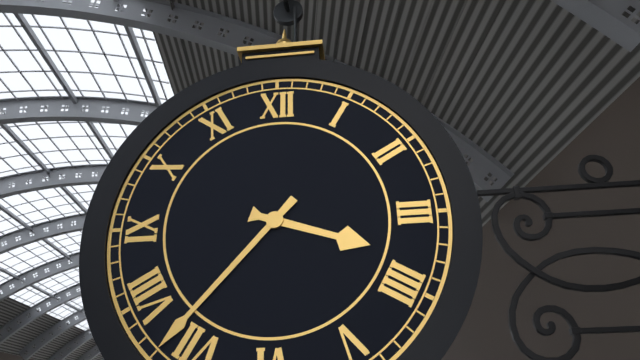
**3:37**
